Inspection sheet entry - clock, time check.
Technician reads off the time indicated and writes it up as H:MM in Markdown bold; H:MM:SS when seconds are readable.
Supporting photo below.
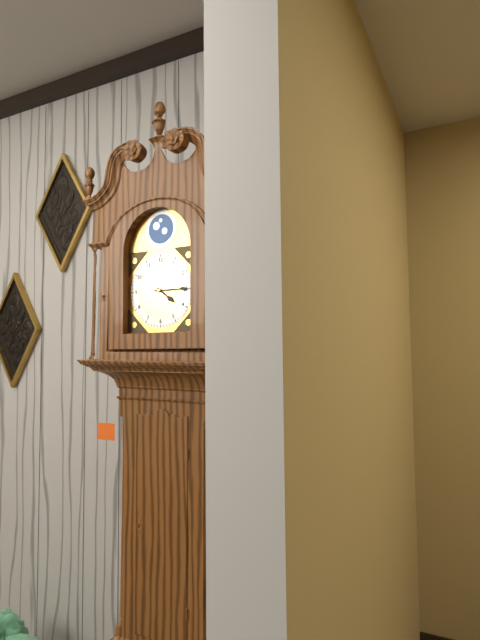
**4:15**
